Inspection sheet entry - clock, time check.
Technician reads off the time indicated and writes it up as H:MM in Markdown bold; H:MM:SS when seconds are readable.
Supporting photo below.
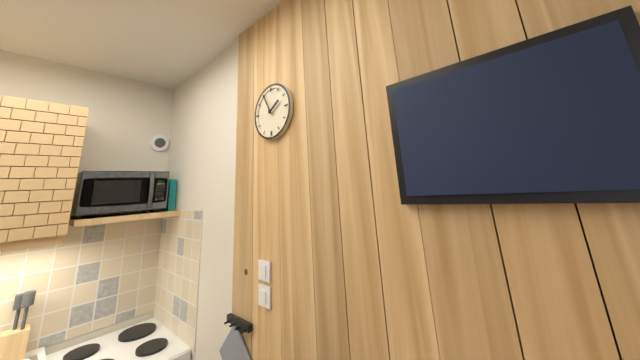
**1:55**
